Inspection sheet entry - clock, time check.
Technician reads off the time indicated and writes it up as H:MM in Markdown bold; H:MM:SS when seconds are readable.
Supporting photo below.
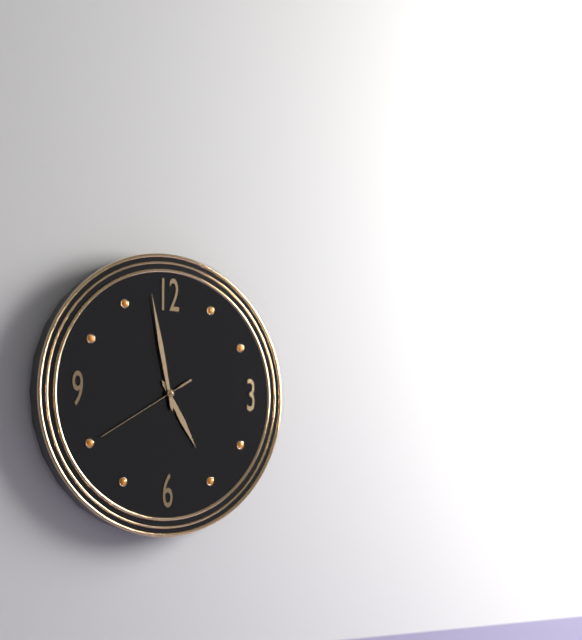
**4:58:40**
